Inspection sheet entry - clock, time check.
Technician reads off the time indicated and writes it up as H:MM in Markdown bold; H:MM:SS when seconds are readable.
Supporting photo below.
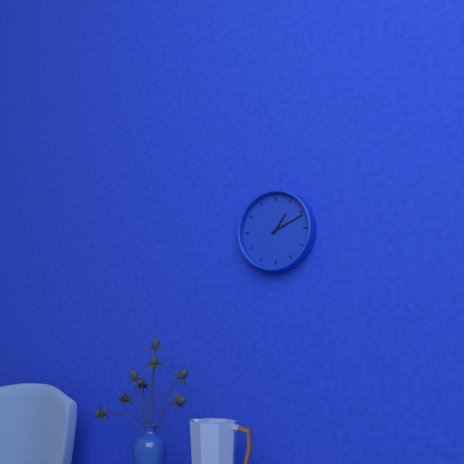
**1:11**
